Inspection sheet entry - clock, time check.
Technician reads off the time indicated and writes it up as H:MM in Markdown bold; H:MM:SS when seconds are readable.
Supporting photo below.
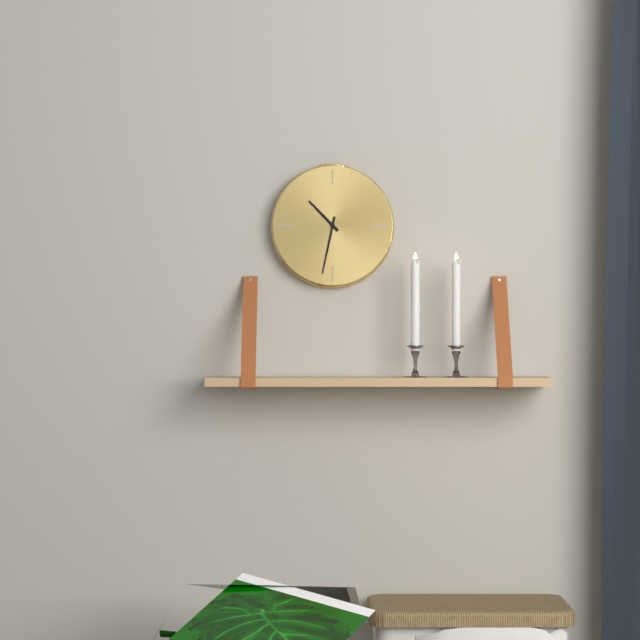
**10:32**
